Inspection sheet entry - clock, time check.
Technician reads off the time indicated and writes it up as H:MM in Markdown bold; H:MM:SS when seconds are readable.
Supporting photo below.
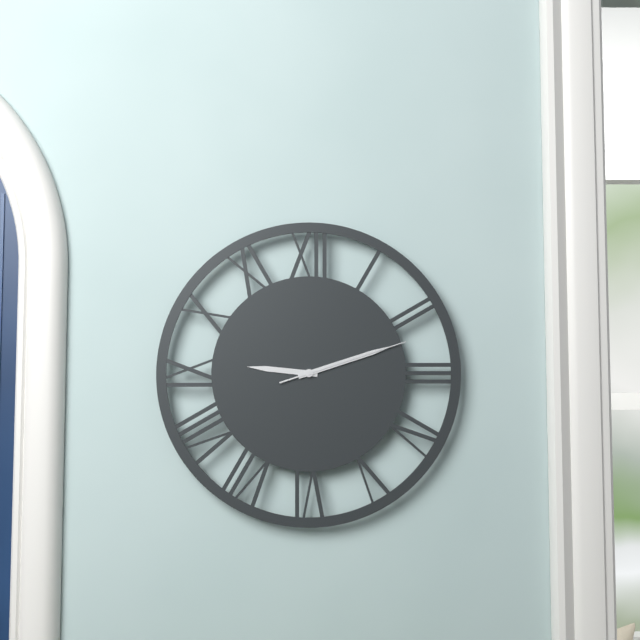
**9:12:12**
